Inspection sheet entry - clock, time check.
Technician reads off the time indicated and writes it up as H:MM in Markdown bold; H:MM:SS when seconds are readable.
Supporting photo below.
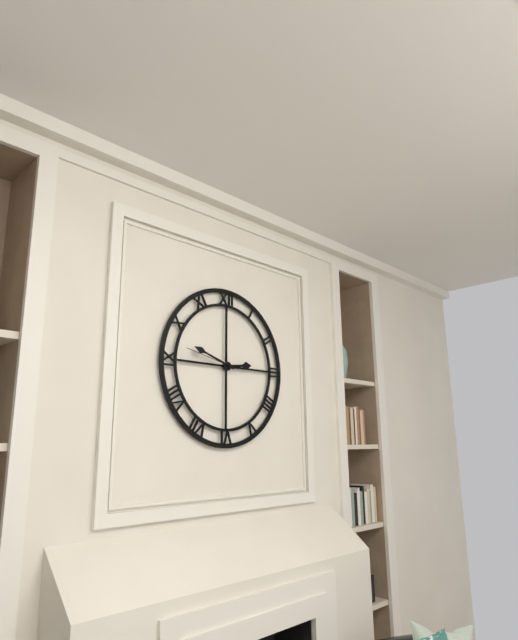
**2:48:47**
